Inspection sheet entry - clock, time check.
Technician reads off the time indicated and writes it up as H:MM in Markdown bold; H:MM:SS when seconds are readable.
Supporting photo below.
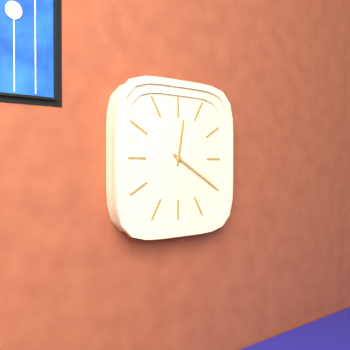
**12:20**
